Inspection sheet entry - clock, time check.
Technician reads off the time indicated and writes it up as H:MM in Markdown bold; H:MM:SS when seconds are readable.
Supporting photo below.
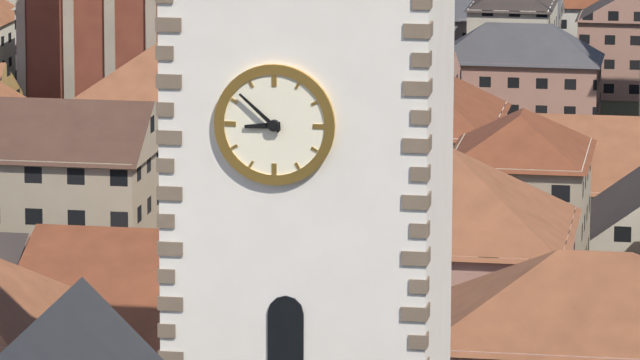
**8:52**
